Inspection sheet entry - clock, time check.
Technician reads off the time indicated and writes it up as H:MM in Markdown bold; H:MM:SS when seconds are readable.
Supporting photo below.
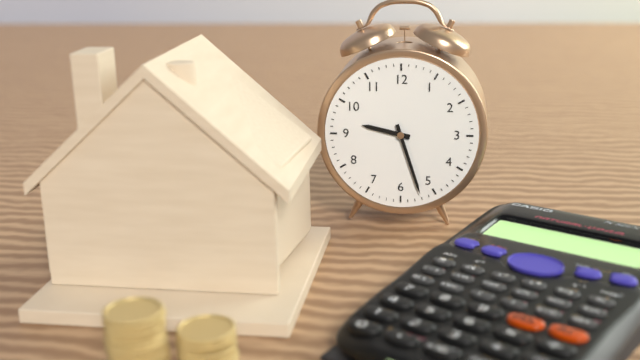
**9:27**
